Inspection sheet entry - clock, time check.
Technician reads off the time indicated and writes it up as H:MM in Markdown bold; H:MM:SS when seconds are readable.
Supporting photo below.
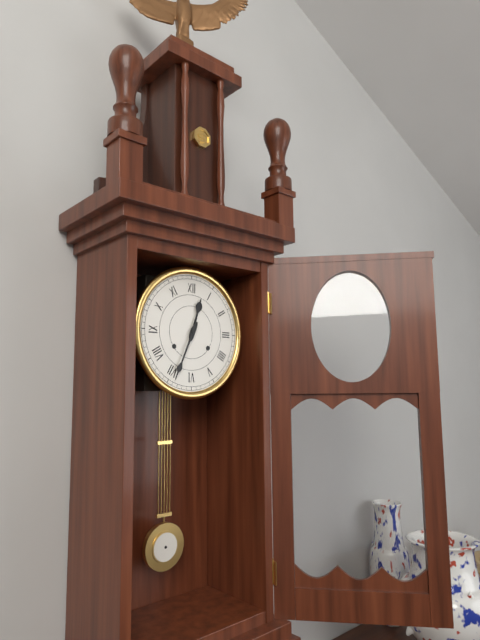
**12:34**
